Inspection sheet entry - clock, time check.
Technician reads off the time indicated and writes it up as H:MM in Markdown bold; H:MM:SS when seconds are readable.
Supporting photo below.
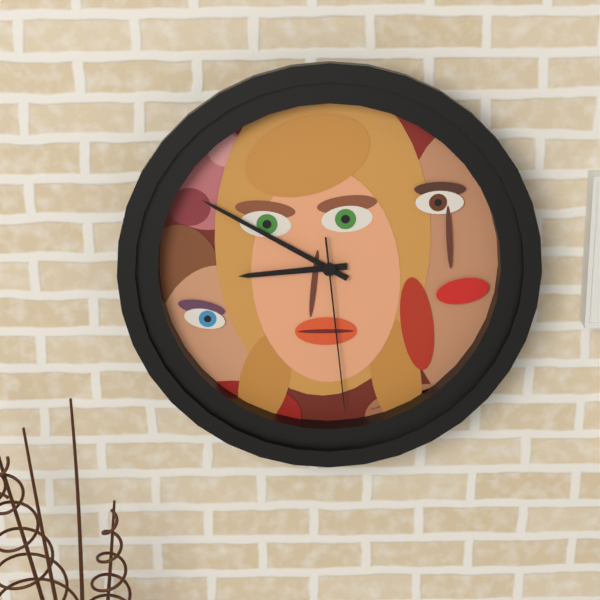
**8:50:29**
